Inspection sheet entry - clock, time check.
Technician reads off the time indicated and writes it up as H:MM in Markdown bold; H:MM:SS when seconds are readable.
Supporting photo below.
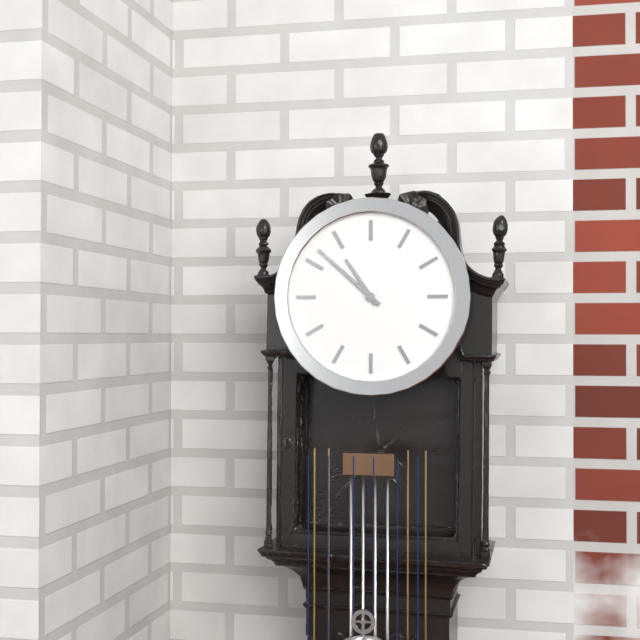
**10:52**
